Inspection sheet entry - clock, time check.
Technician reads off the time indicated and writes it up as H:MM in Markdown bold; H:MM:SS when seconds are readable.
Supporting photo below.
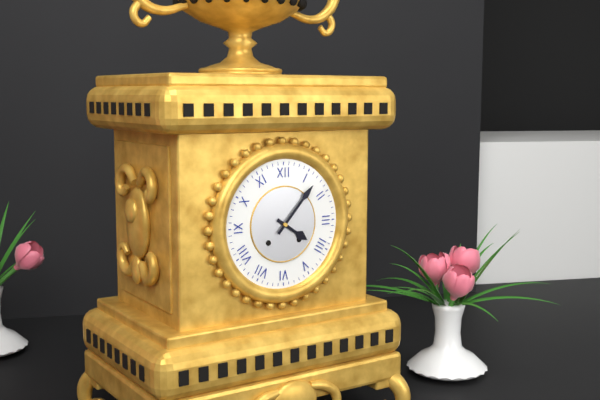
**4:07**
